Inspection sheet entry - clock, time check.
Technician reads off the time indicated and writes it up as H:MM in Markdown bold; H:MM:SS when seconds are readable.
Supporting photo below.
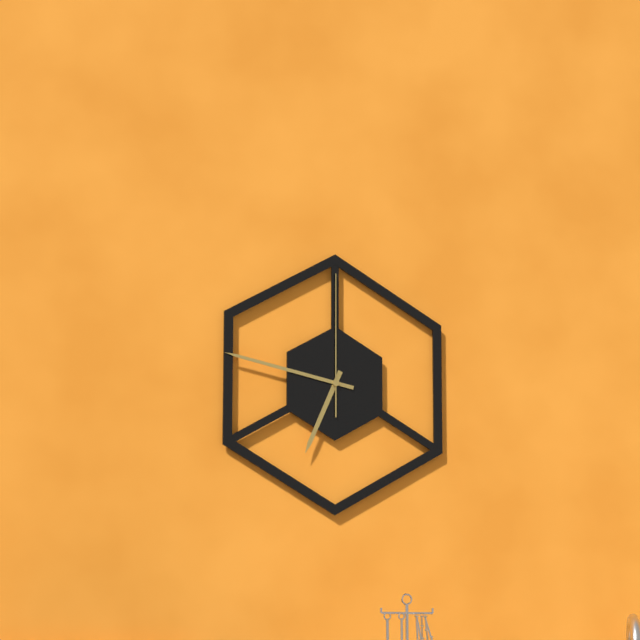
**6:47:00**
